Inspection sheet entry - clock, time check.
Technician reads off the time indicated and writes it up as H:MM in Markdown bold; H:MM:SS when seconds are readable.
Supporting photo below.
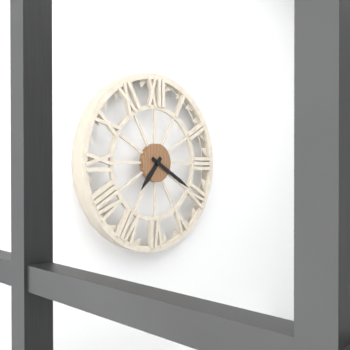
**7:20**
